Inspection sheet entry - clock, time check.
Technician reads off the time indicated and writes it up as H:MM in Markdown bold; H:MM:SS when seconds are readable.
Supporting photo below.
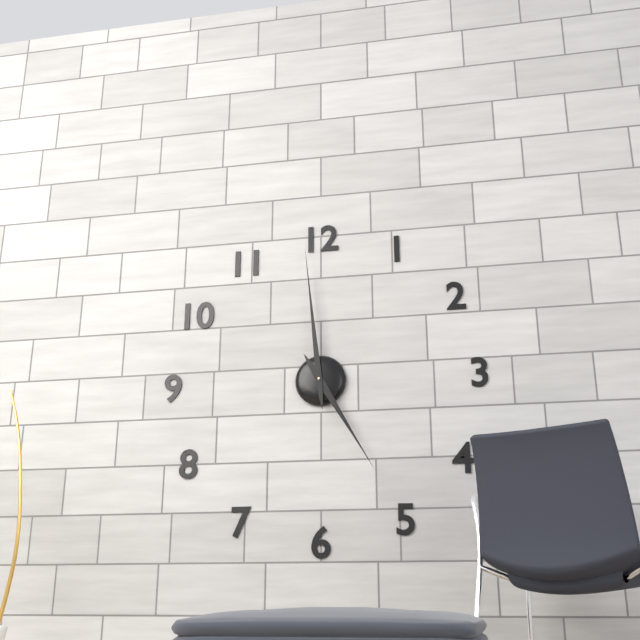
**4:59**
